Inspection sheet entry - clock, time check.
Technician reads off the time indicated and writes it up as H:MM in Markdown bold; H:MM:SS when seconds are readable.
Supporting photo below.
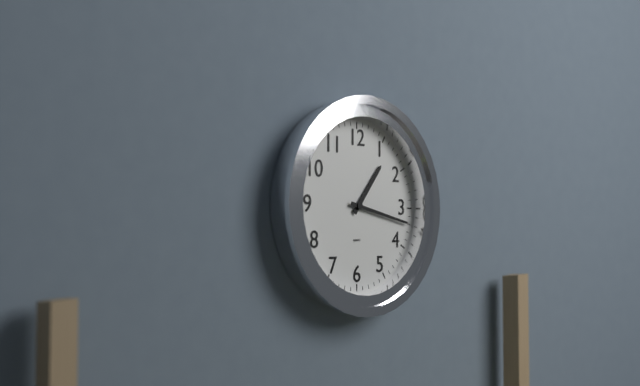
**1:17**
